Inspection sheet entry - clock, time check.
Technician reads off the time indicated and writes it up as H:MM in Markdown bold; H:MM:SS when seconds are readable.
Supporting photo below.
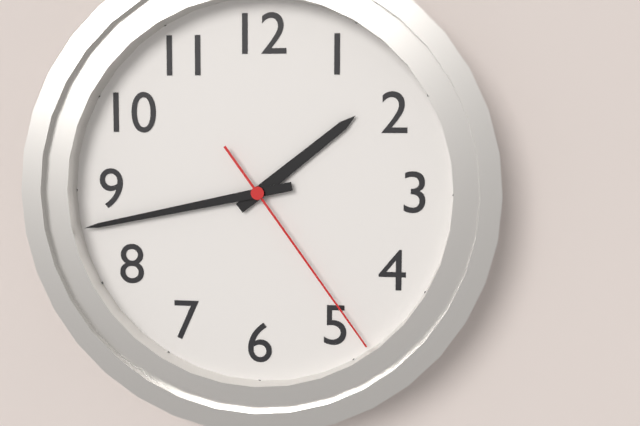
**1:43:24**
